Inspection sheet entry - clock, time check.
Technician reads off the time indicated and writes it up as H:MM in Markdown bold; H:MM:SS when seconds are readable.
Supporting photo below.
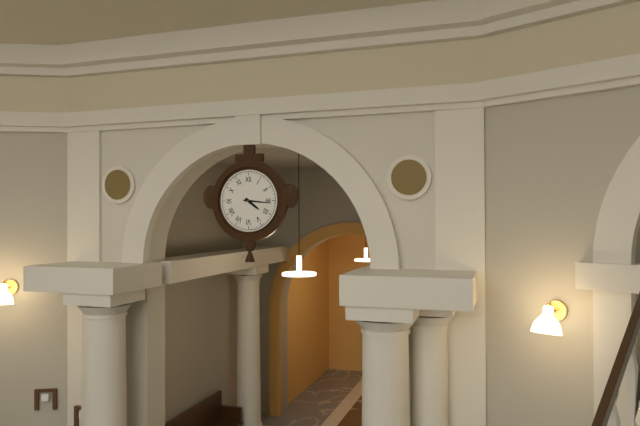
**4:16**
